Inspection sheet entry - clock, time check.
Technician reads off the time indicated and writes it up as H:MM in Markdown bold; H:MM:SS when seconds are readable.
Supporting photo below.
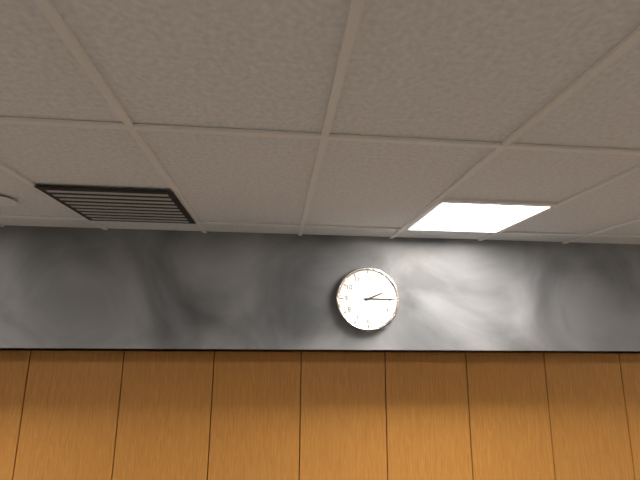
**2:15**
